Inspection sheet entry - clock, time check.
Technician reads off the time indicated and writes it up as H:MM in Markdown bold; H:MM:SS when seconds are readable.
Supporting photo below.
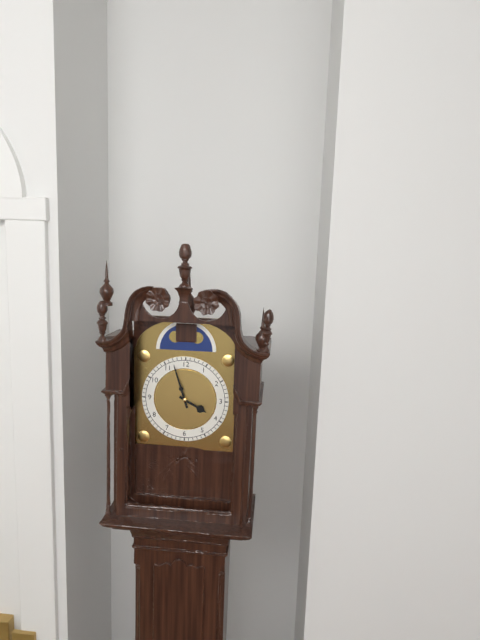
**3:57**
